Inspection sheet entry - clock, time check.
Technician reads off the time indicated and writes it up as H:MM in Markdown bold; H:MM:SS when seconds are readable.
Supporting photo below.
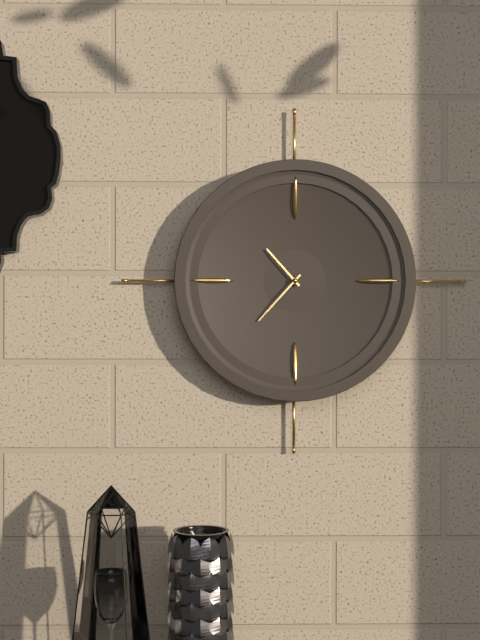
**10:37**
